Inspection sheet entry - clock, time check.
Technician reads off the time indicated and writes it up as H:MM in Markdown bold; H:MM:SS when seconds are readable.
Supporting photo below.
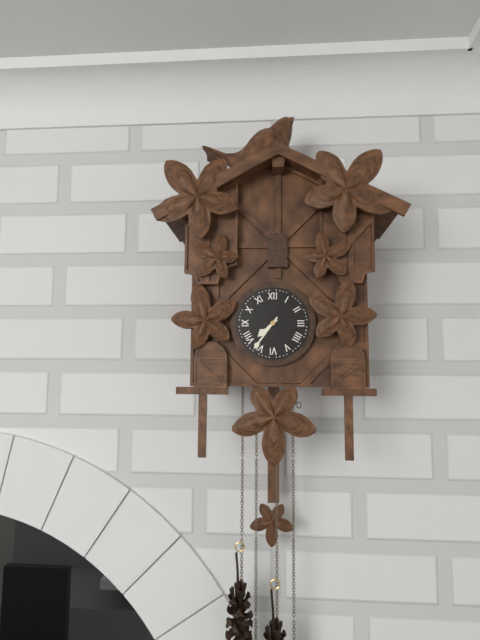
**7:36**
